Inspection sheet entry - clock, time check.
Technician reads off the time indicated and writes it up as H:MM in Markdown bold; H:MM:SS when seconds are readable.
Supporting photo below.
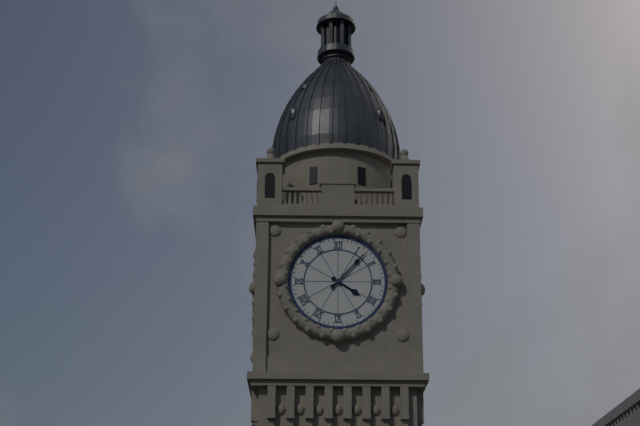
**4:07**
